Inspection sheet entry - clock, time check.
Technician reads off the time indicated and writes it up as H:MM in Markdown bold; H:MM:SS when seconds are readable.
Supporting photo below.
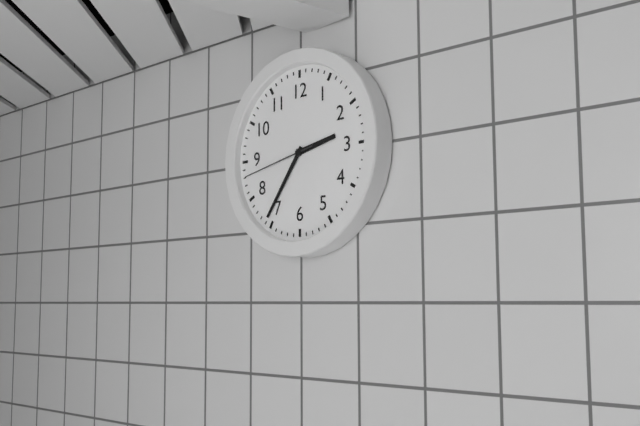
**2:36:43**
